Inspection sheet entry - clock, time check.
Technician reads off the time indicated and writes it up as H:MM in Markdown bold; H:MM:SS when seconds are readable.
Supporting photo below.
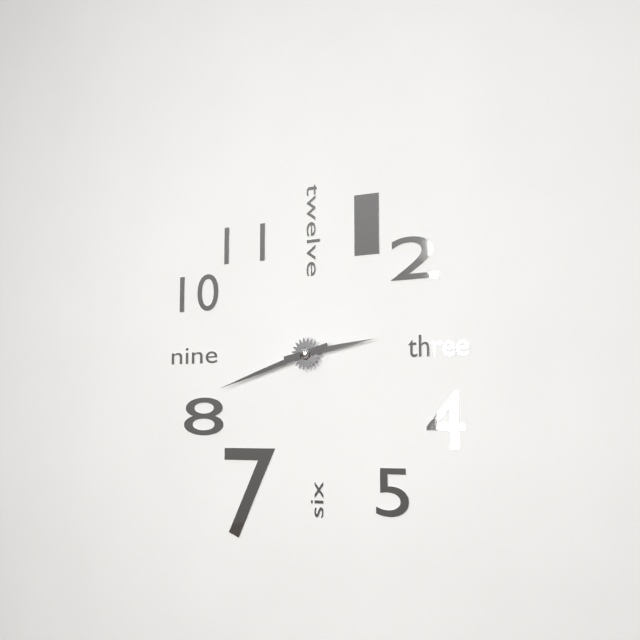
**2:42**
